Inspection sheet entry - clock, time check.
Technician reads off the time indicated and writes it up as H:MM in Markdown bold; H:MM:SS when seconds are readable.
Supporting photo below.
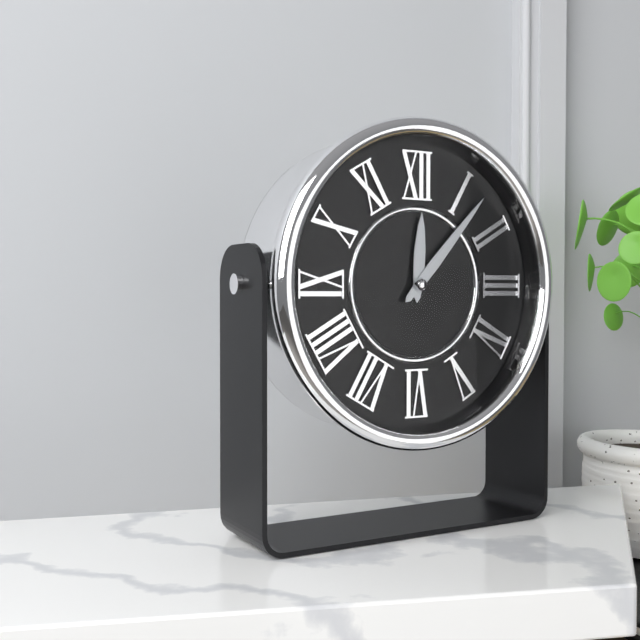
**12:07**
